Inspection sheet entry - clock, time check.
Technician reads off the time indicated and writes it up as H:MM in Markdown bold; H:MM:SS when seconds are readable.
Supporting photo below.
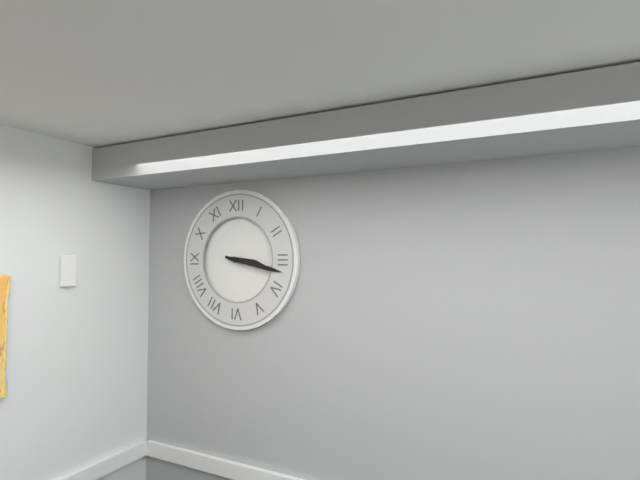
**3:17**
